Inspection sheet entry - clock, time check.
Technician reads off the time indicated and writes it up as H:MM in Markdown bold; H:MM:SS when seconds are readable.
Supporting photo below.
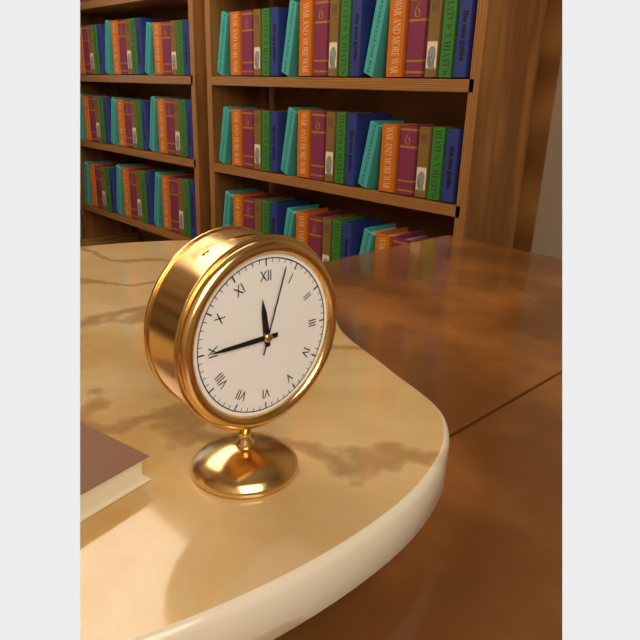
**11:45:03**
